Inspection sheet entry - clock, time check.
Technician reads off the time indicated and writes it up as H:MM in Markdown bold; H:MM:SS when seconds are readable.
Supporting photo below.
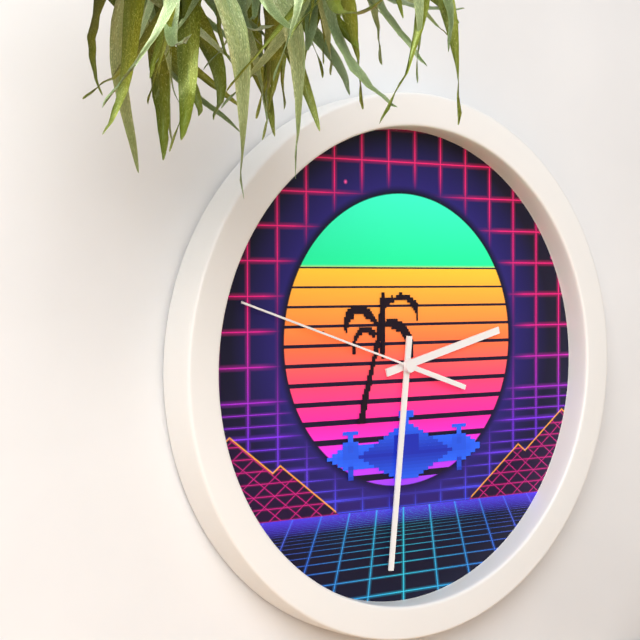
**2:31:48**
